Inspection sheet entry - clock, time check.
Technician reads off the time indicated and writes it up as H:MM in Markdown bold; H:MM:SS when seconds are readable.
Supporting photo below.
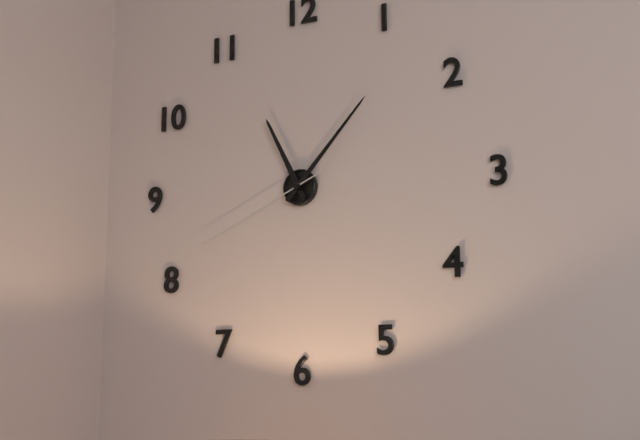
**11:07:41**
